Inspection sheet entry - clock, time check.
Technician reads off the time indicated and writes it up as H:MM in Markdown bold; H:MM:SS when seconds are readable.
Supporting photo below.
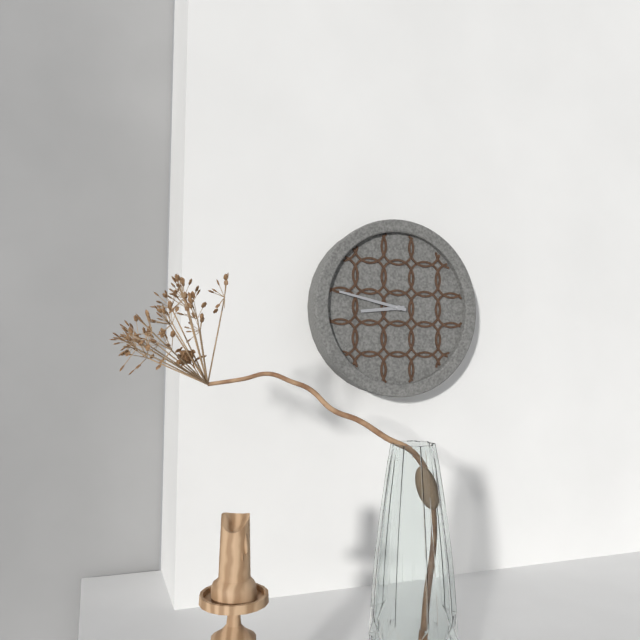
**8:47**
